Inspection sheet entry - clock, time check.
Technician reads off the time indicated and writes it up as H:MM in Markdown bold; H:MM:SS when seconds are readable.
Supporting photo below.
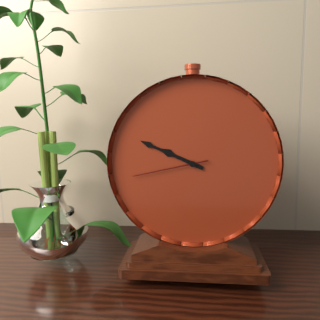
**9:49:43**
